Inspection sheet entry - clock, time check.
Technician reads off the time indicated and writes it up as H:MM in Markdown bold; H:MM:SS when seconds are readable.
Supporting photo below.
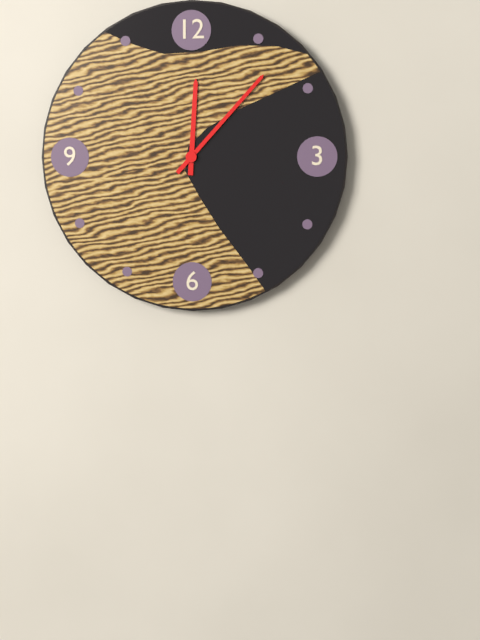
**12:07**
